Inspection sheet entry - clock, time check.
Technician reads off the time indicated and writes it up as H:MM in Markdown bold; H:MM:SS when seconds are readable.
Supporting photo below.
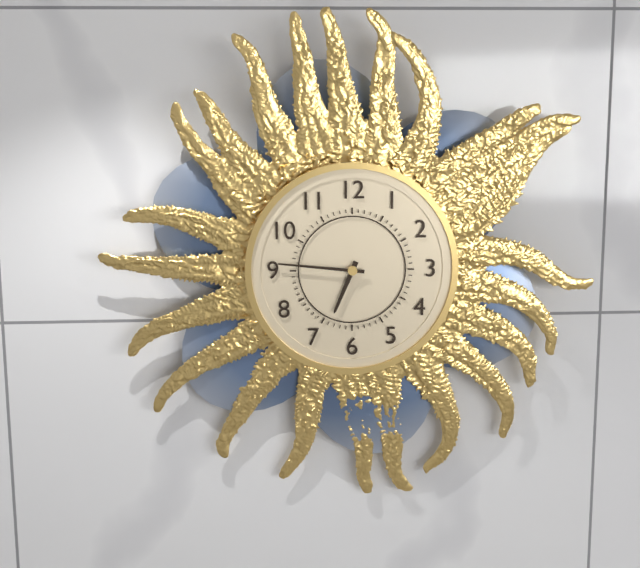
**6:46**
